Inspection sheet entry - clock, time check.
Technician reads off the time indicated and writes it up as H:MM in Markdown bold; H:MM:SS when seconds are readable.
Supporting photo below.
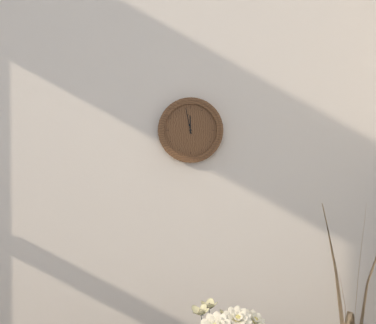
**11:58**
